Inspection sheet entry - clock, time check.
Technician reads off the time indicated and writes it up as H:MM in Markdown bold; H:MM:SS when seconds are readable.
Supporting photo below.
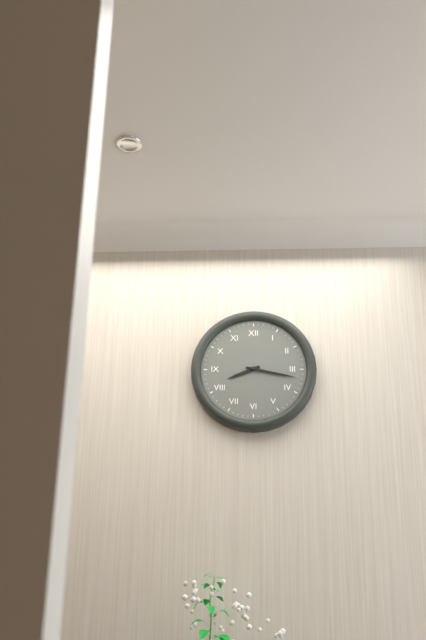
**8:17**
